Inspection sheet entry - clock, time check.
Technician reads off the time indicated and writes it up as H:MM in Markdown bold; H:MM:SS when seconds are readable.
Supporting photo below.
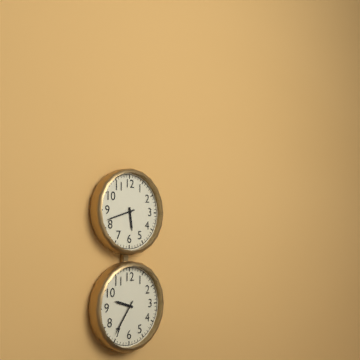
**5:42**
